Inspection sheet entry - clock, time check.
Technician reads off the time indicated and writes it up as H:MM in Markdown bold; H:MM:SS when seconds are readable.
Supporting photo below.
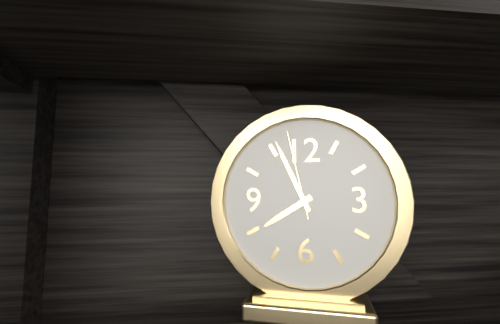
**7:56:58**
